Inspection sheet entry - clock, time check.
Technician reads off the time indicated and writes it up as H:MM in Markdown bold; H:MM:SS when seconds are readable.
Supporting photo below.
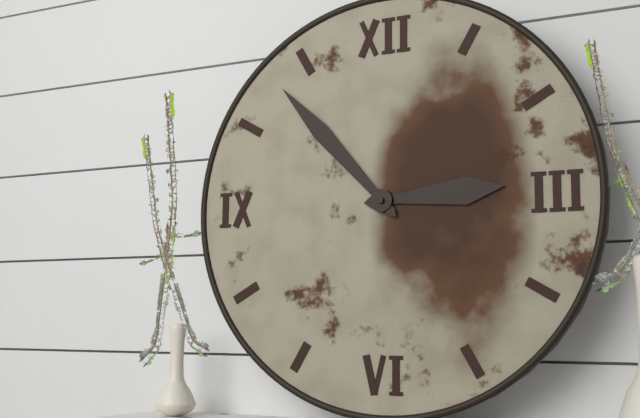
**2:53**
